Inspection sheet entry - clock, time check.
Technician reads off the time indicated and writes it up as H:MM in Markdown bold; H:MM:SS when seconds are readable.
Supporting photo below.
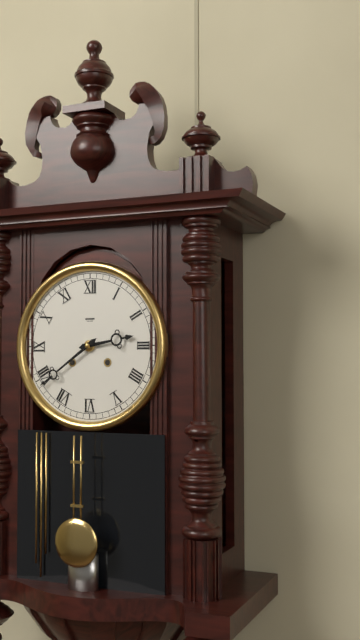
**2:39**
